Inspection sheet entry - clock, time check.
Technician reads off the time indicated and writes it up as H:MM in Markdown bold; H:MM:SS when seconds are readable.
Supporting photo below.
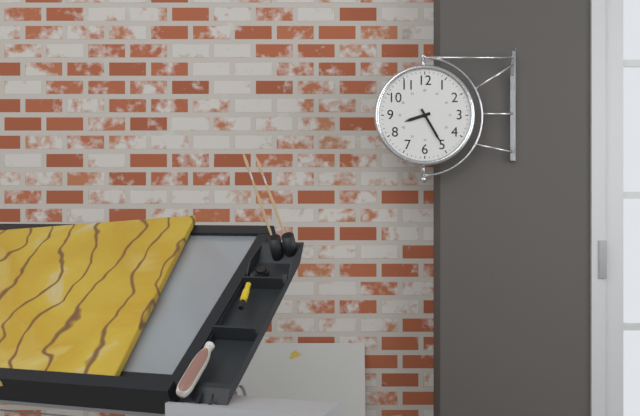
**8:25**
